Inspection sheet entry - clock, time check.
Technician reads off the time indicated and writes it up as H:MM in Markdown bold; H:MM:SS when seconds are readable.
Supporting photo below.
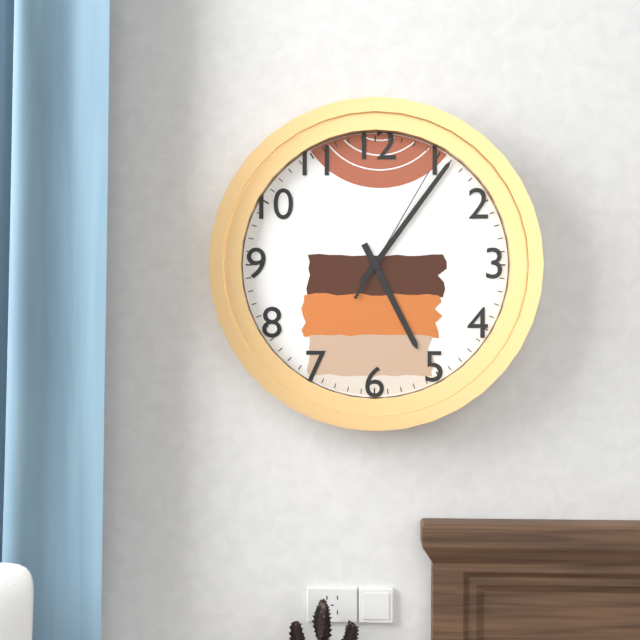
**5:06:05**
